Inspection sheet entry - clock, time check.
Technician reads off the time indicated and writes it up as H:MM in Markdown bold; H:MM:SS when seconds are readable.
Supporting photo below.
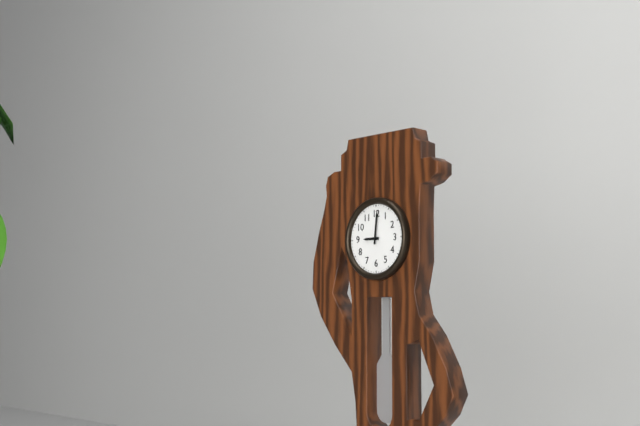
**9:01**
